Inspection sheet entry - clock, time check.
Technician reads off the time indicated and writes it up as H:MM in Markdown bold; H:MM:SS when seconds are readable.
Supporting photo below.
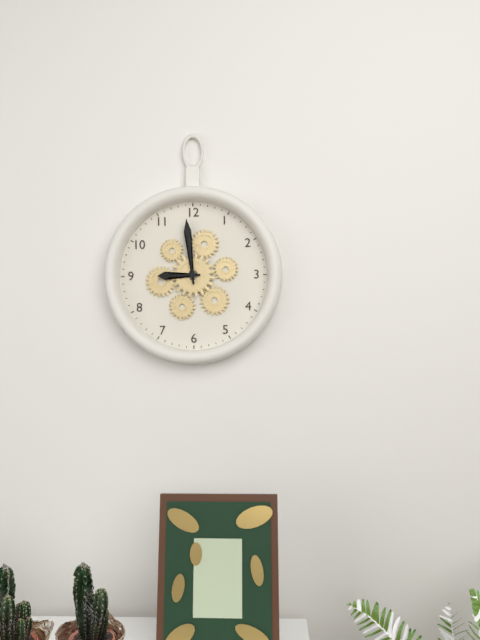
**8:59**
